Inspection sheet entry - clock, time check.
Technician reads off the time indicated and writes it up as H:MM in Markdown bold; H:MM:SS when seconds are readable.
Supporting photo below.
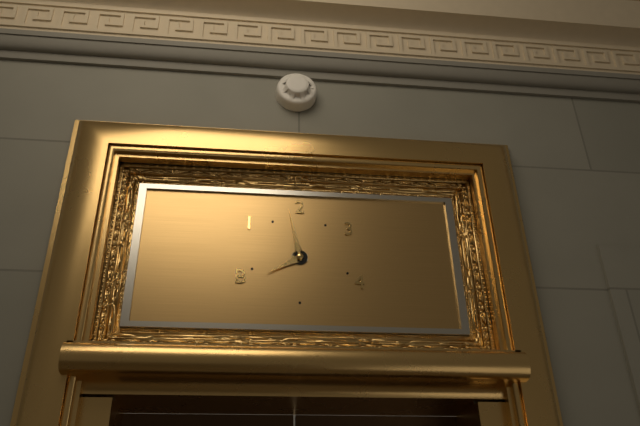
**7:58**
